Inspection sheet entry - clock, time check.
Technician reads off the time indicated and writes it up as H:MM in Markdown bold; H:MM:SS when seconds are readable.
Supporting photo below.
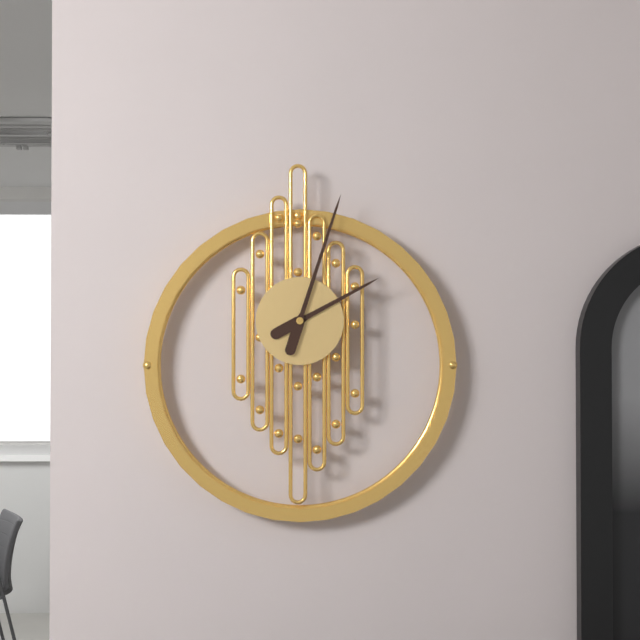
**2:03**
